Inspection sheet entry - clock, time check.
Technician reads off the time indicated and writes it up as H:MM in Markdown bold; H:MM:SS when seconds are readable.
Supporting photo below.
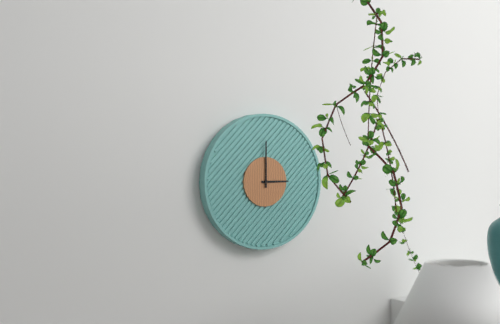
**3:00**
